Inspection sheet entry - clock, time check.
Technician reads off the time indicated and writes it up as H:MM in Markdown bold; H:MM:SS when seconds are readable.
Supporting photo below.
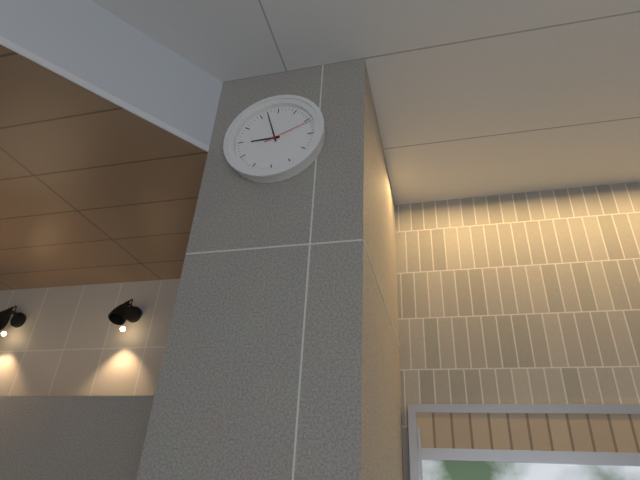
**8:57**
